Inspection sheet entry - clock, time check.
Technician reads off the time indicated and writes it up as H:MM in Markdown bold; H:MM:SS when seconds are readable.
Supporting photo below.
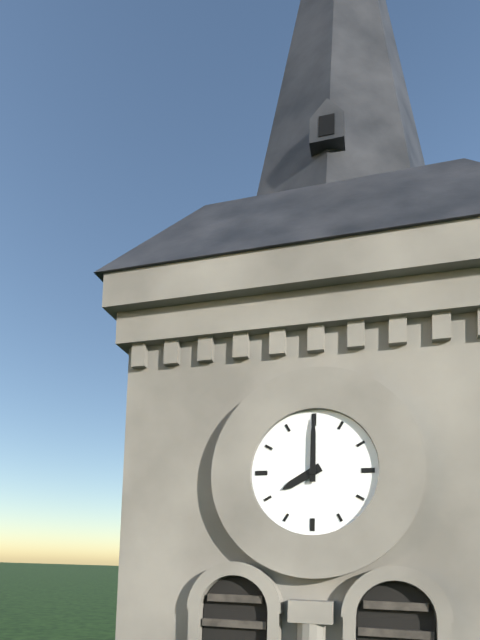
**8:00**
